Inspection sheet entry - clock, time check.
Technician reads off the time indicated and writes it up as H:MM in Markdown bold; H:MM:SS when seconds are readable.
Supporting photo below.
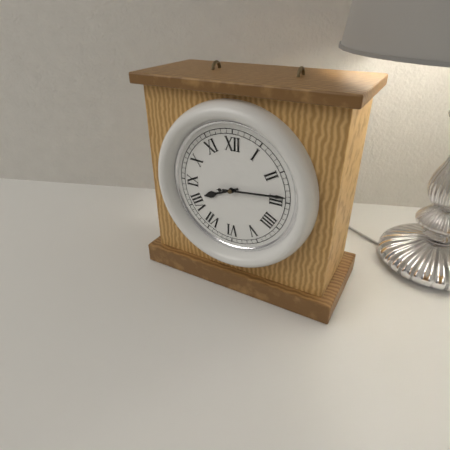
**8:14:14**
